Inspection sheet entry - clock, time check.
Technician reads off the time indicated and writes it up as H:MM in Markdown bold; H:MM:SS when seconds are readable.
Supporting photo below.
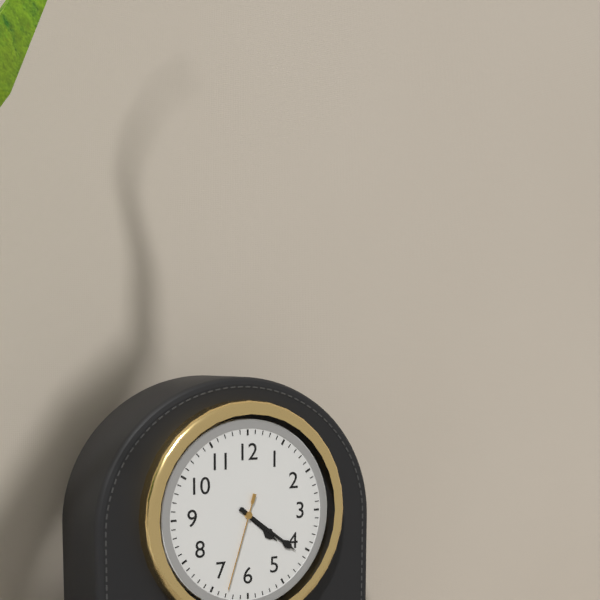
**4:21:33**
